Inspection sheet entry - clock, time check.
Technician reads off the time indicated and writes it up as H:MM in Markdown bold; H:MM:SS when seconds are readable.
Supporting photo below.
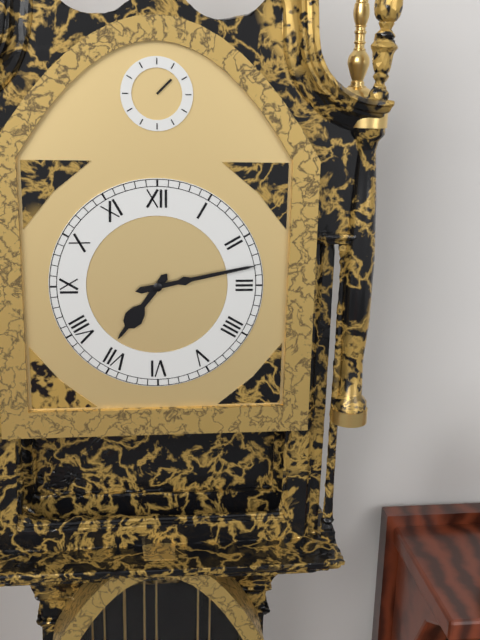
**7:13**
